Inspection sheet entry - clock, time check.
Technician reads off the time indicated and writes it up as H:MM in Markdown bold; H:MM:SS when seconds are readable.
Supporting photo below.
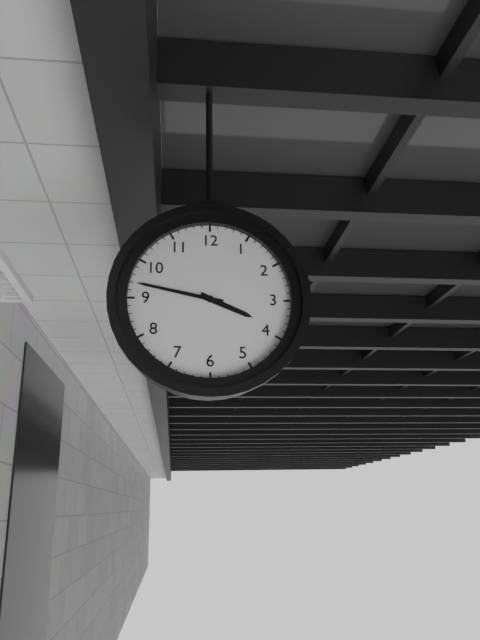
**3:47**
